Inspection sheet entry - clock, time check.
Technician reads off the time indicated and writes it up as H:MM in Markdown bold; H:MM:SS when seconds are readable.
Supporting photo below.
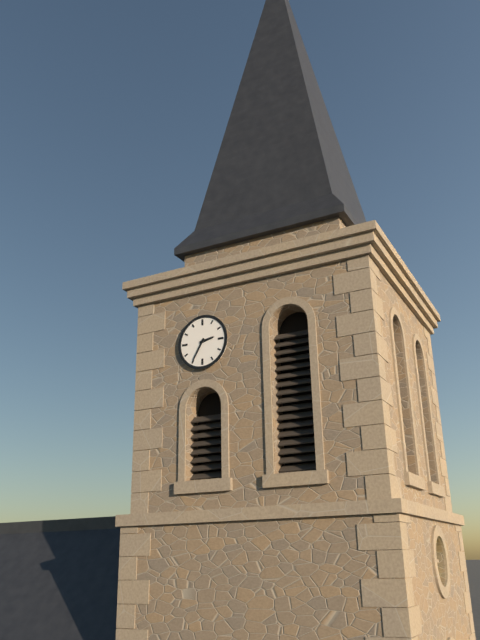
**2:35**
